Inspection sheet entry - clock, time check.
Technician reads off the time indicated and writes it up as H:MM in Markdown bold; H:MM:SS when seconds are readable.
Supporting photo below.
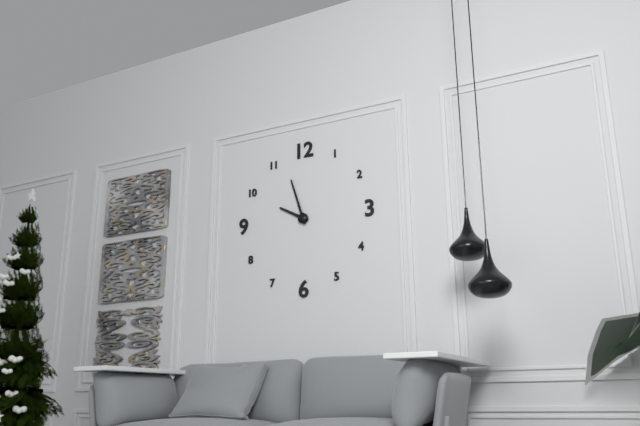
**9:57**
